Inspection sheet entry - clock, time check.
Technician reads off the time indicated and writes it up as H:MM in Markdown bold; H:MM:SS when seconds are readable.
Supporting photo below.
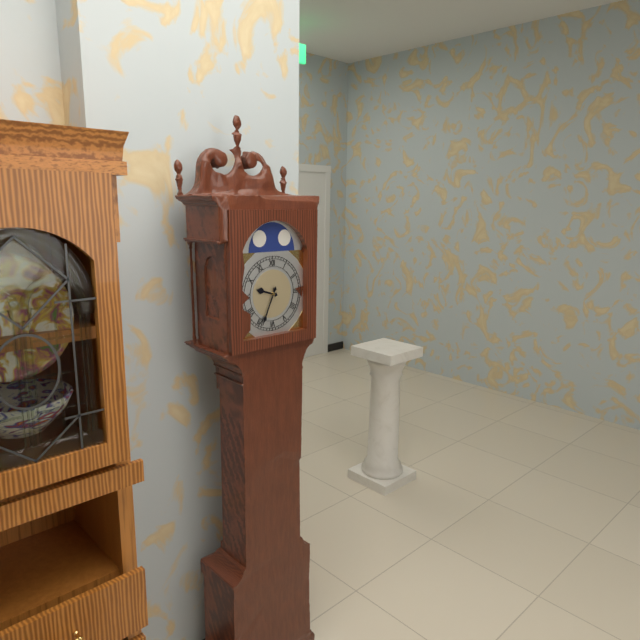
**9:34**
